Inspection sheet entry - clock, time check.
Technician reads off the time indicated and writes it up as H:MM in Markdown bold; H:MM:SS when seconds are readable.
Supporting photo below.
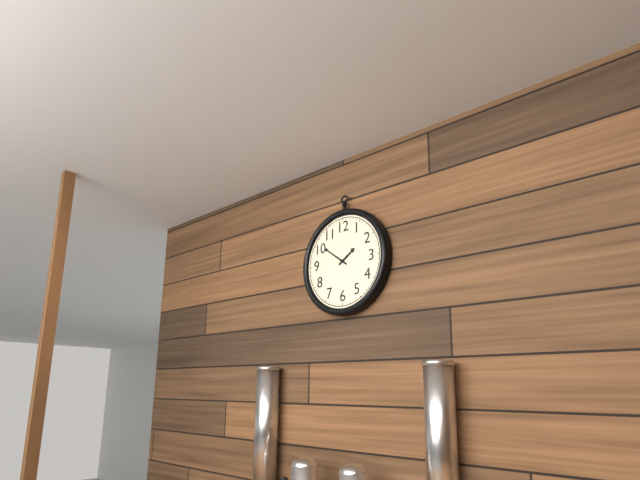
**1:51**
